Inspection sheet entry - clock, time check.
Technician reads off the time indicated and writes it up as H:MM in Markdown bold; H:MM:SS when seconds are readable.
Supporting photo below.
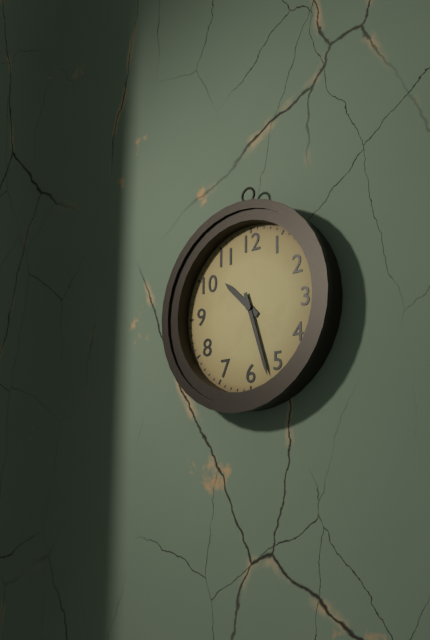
**10:27**
